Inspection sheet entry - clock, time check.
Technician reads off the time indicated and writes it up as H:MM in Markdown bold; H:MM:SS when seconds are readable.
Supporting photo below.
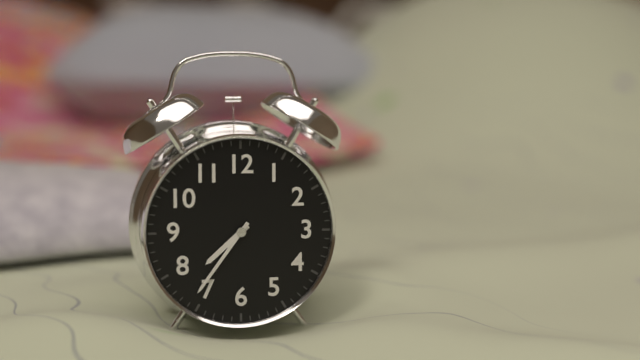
**7:36**
